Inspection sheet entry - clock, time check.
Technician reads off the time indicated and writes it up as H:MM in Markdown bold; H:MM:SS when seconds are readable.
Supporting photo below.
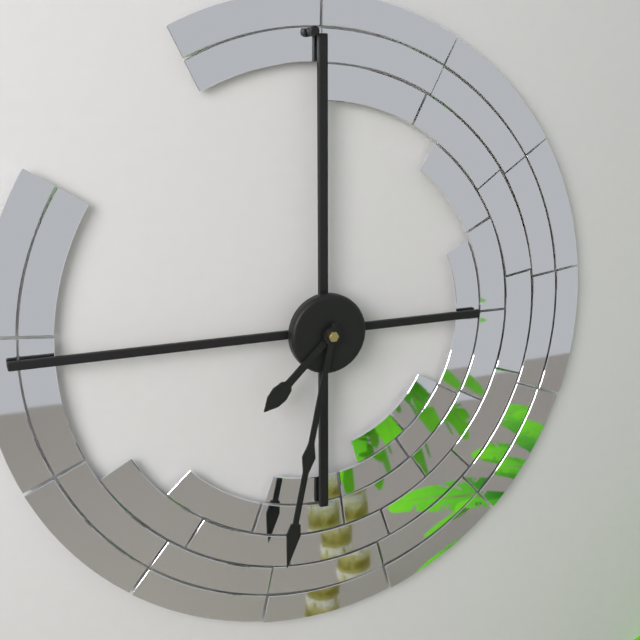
**7:32**
